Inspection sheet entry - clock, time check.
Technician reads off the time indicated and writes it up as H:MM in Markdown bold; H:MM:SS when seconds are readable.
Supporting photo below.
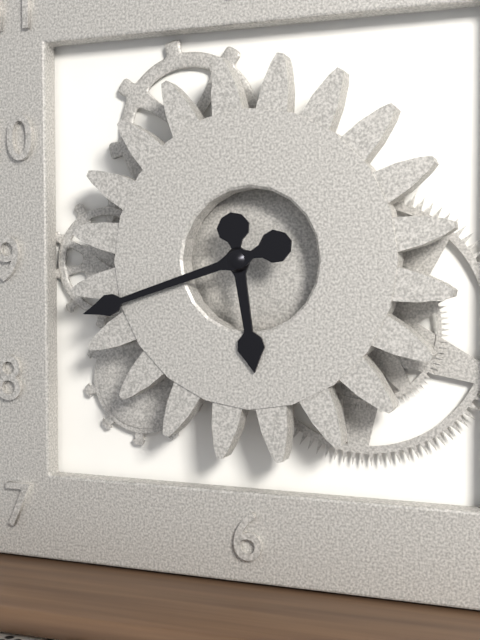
**5:42**
